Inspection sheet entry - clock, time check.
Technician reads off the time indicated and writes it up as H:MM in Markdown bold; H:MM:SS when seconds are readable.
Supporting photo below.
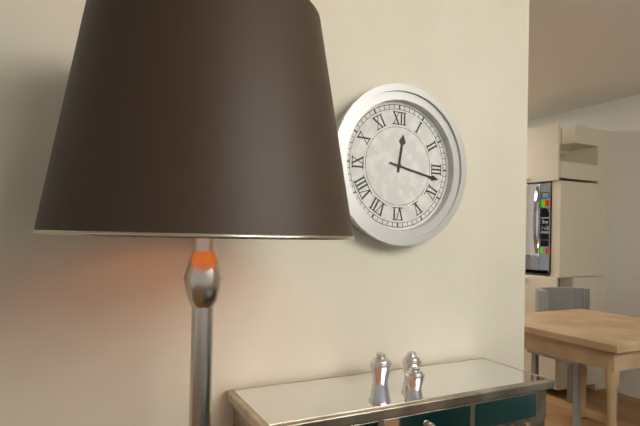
**12:17**
